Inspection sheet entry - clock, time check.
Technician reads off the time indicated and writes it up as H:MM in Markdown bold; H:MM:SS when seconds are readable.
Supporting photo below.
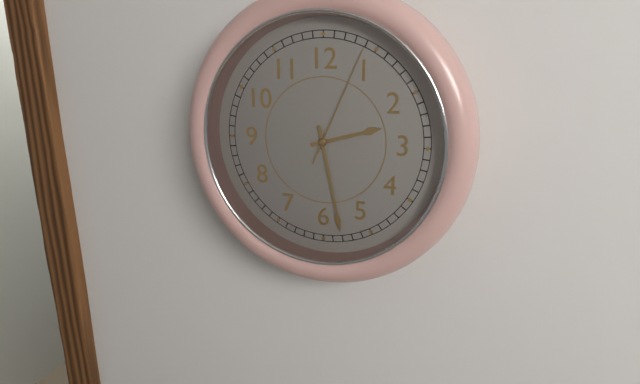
**2:28:04**
